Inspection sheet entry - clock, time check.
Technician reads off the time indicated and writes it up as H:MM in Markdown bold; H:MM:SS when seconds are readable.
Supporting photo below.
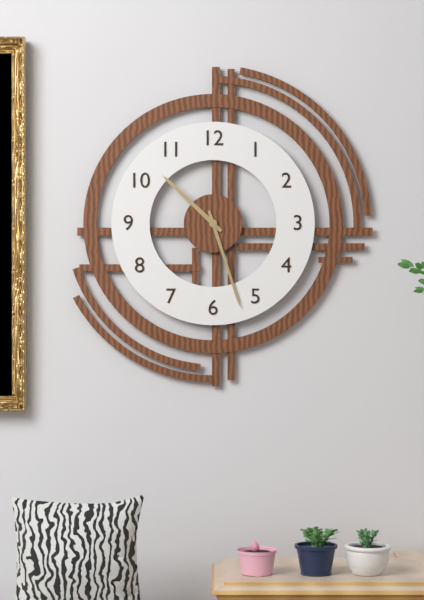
**10:27**
